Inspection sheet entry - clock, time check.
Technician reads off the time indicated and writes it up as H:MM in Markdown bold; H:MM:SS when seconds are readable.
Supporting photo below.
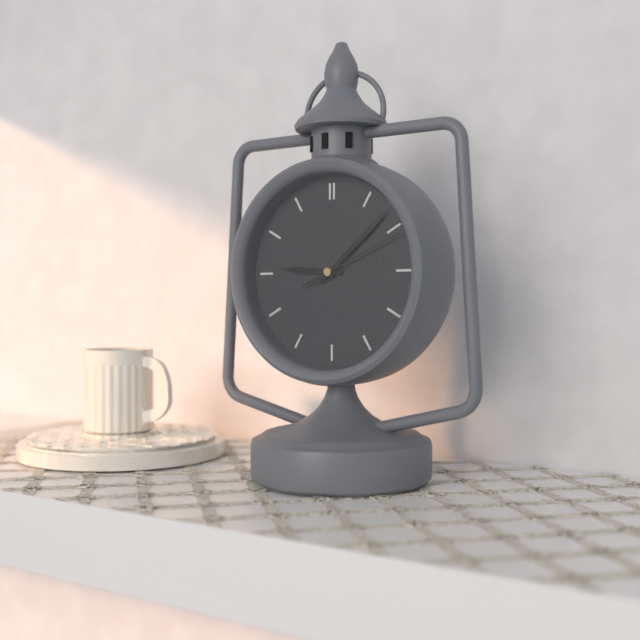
**9:08:11**
